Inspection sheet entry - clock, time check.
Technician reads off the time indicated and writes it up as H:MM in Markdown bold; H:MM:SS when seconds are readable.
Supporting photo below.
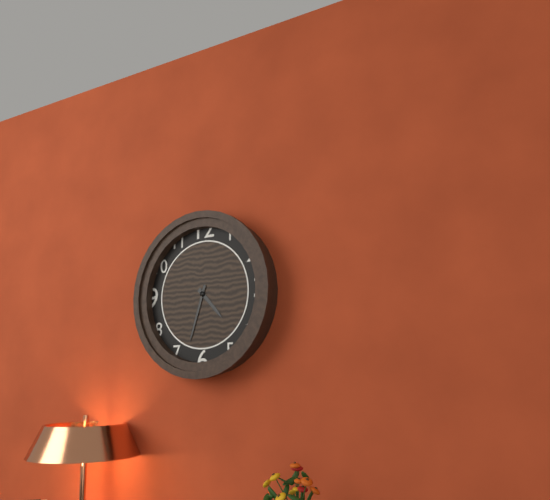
**4:33**
